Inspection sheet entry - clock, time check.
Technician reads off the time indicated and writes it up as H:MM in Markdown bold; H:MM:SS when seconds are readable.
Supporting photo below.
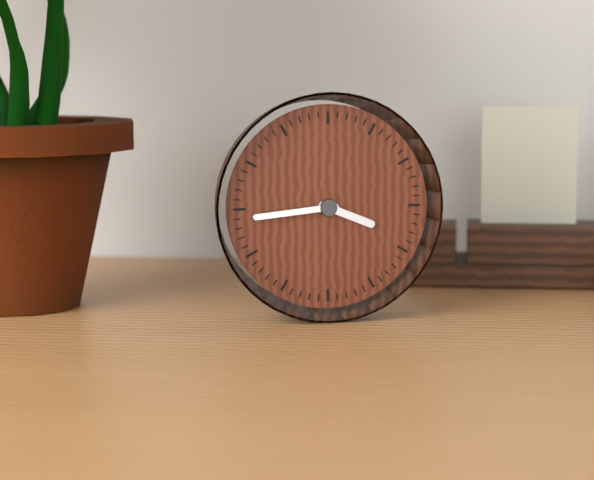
**3:44**
